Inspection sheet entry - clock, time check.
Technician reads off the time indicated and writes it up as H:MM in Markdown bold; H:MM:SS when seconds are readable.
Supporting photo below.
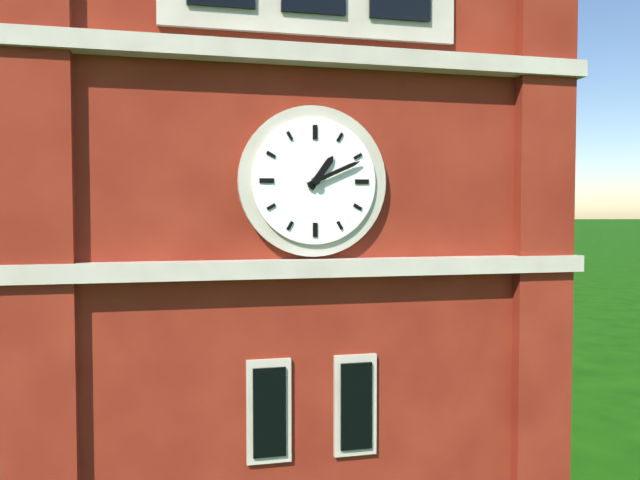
**1:11**
